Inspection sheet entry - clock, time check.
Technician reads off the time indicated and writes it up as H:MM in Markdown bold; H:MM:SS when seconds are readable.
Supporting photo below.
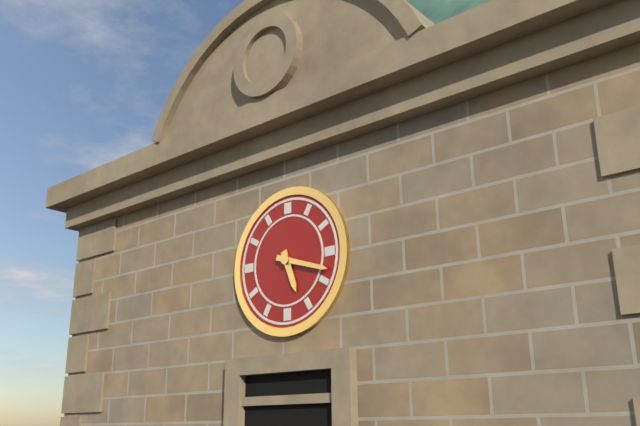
**5:18**
